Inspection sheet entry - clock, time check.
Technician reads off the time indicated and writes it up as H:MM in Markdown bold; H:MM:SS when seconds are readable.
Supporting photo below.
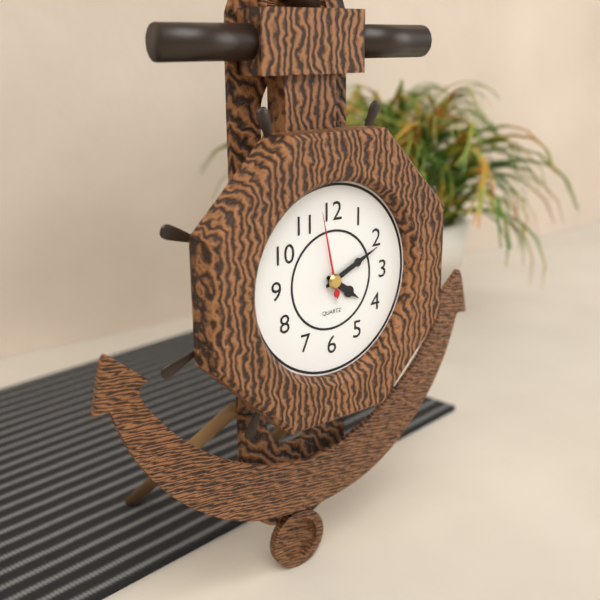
**4:11:58**
